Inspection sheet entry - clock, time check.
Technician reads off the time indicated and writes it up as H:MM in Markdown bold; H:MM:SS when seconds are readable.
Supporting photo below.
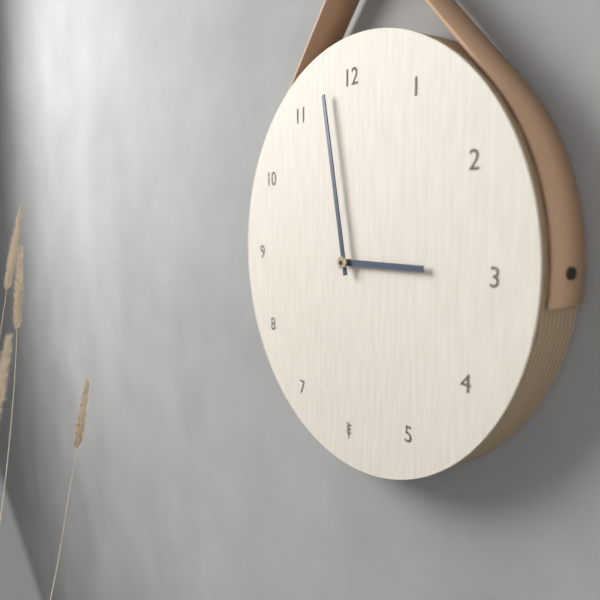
**2:58**
